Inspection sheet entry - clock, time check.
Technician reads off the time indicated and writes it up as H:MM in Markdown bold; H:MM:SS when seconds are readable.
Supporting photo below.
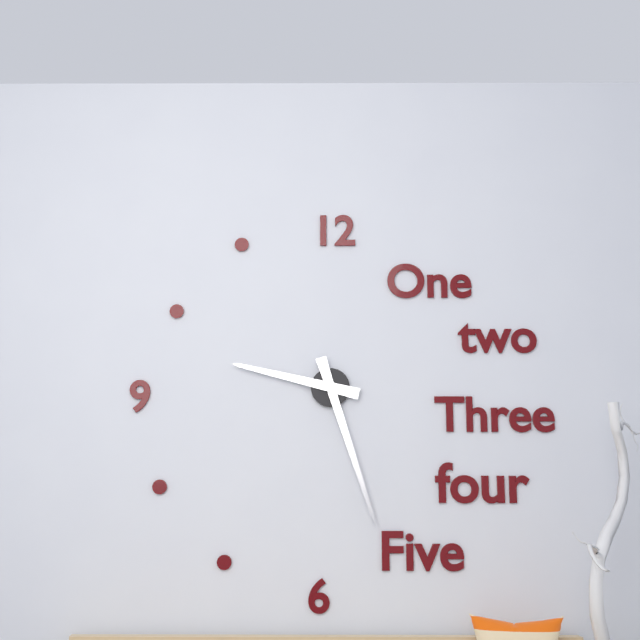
**9:27**
